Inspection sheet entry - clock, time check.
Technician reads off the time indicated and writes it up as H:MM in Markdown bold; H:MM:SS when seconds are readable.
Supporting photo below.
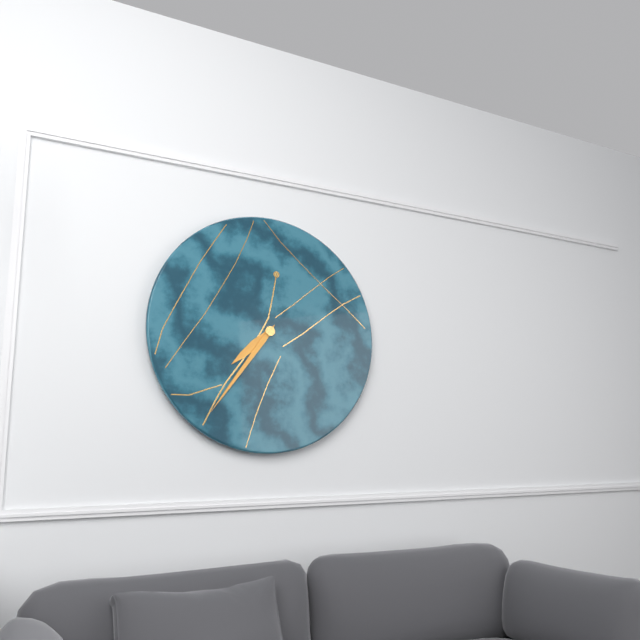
**7:36**
